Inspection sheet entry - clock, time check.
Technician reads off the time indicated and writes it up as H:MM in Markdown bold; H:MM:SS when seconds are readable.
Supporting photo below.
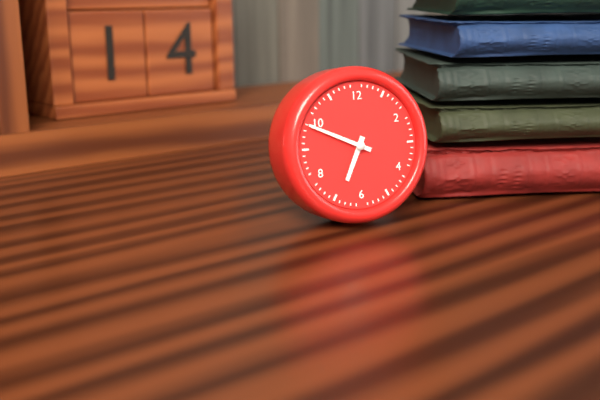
**6:49**
